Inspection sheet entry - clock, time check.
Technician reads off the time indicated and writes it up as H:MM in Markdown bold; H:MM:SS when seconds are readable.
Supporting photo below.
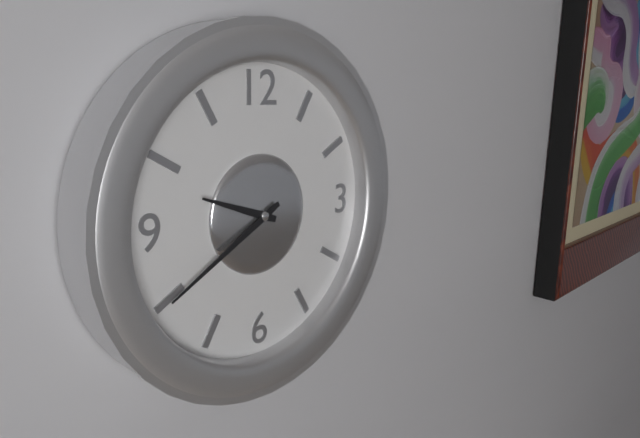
**9:40**
